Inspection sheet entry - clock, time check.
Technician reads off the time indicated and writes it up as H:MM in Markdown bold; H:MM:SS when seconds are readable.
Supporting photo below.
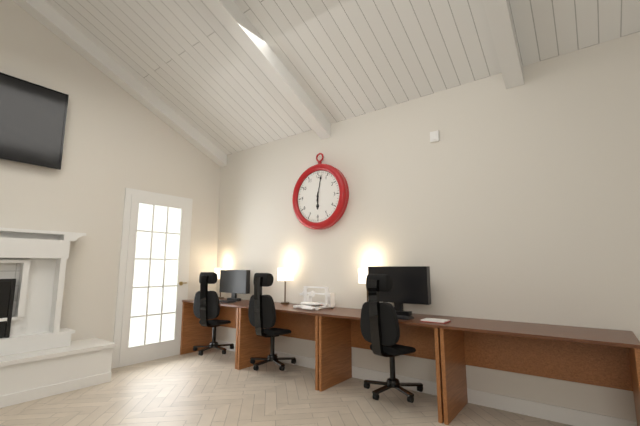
**6:02**
